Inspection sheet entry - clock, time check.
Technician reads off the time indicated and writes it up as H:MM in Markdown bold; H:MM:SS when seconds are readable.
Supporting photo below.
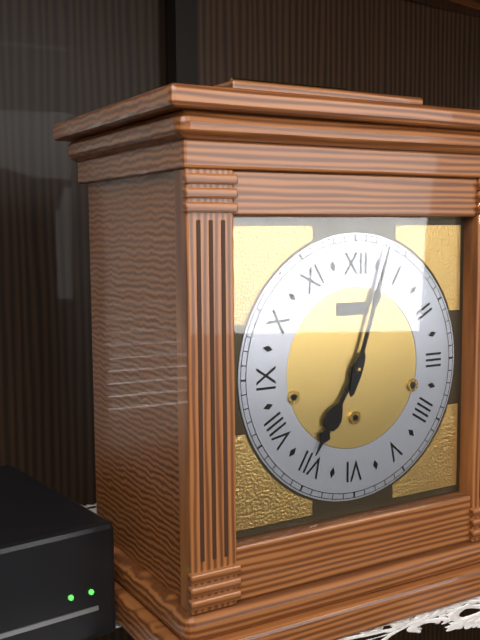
**7:03**
